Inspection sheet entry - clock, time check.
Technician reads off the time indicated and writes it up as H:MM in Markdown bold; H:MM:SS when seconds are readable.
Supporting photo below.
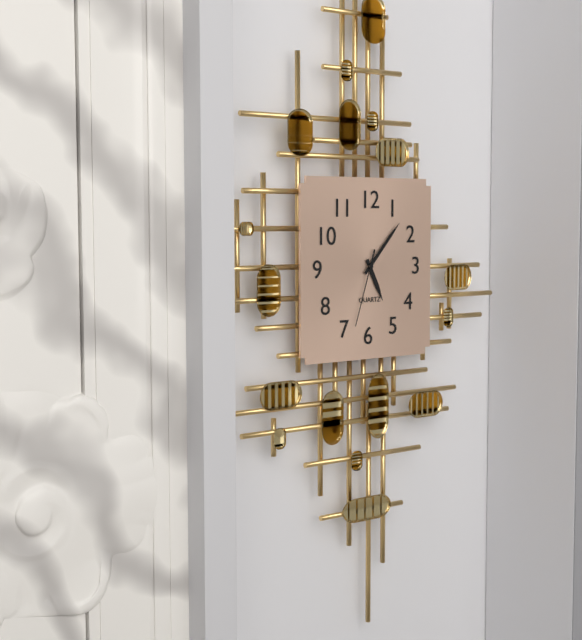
**5:07:33**
